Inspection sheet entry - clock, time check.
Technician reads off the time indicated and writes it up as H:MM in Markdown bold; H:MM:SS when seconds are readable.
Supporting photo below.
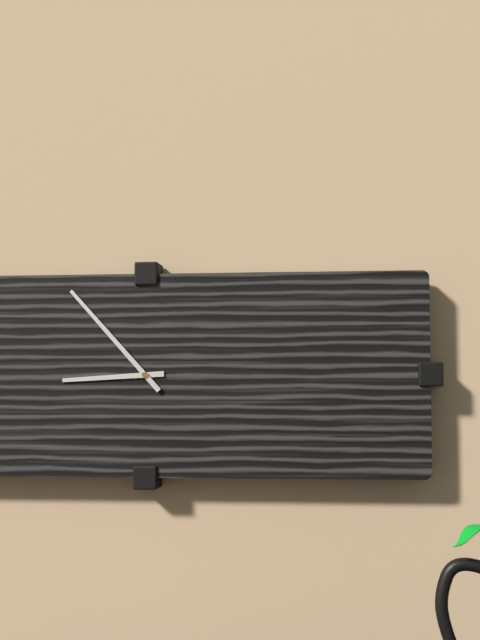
**8:53**
